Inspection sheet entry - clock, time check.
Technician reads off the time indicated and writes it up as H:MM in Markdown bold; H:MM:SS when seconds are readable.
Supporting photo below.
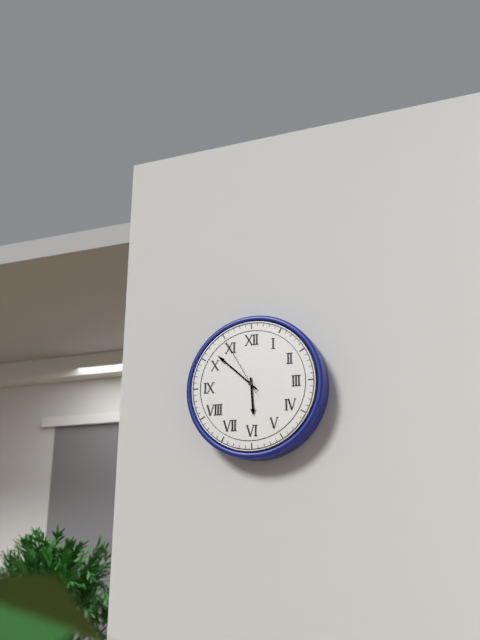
**5:52:55**
